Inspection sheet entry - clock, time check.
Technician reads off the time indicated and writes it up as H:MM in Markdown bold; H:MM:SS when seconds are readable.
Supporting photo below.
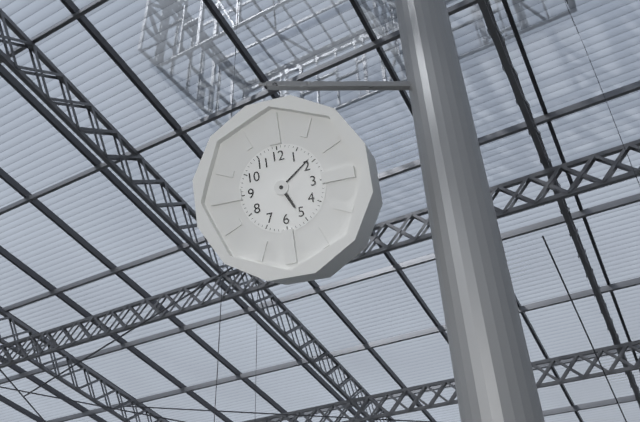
**5:09**
